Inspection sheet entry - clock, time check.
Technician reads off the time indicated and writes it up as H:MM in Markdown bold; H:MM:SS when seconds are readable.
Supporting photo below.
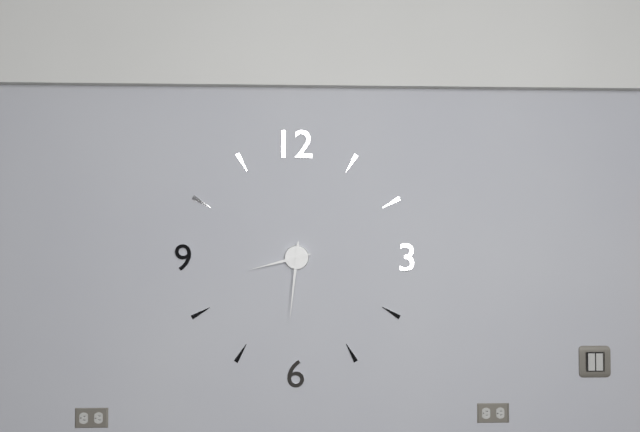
**8:31**
